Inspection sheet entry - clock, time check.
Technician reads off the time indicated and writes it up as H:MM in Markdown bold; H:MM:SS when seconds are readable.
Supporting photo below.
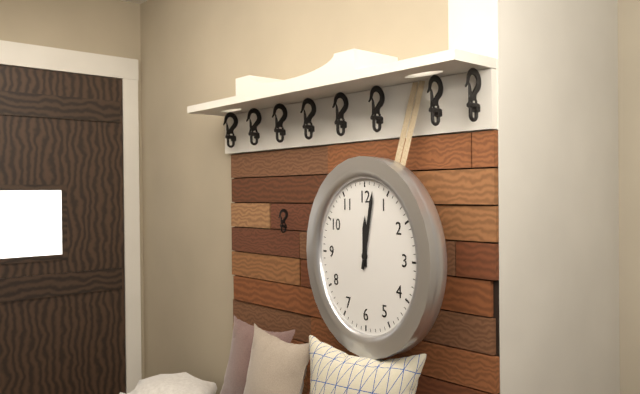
**12:02**
